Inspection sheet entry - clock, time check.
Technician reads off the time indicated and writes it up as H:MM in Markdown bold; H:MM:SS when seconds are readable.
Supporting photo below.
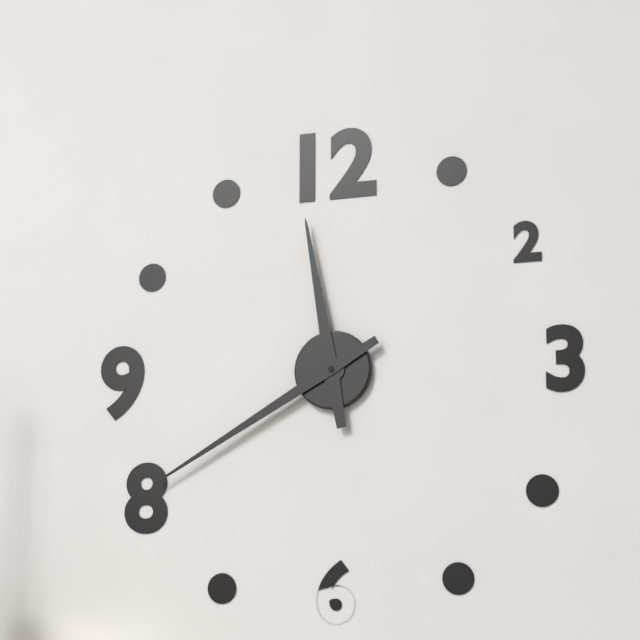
**11:40**
